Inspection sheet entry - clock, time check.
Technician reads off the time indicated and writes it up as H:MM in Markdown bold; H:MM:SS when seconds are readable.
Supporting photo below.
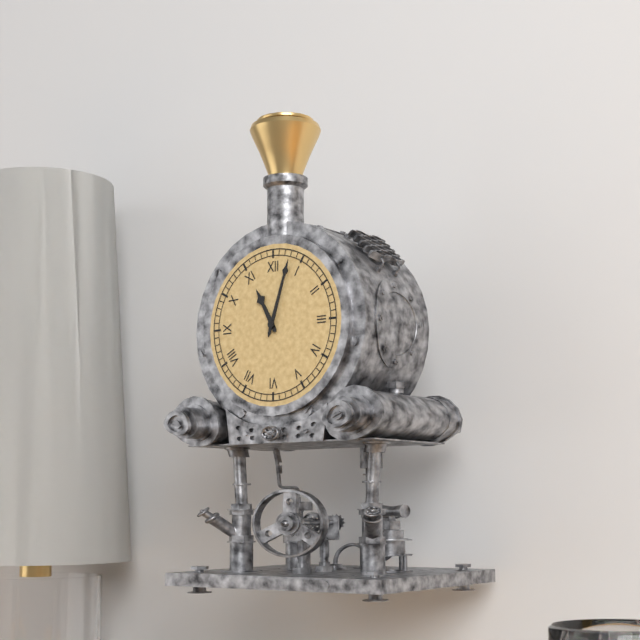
**11:03**
